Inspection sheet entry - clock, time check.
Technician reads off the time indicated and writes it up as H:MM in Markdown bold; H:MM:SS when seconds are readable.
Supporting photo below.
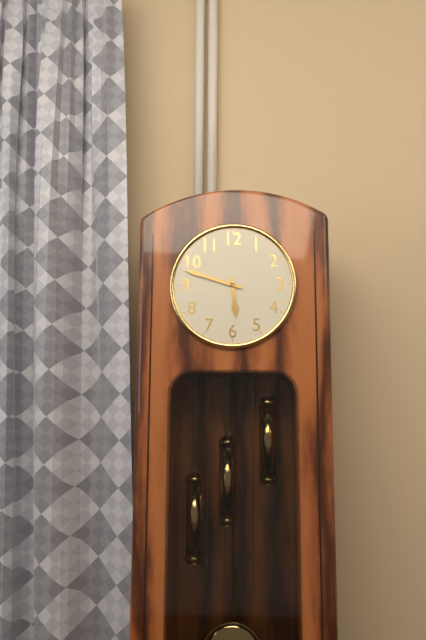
**5:48**
